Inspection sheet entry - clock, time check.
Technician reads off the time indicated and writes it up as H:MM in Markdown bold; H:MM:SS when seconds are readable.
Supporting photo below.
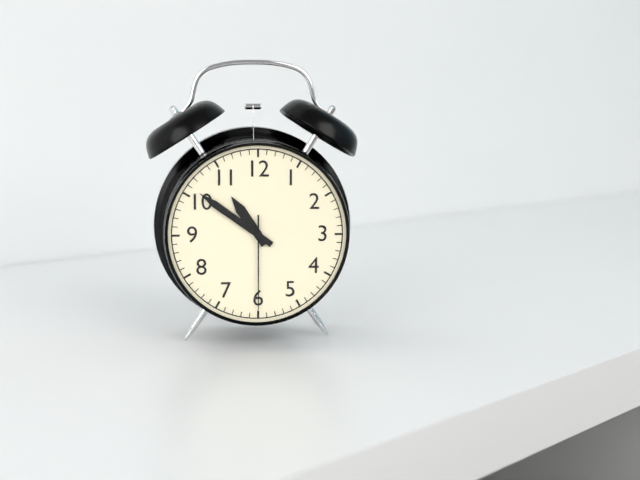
**10:51:30**
